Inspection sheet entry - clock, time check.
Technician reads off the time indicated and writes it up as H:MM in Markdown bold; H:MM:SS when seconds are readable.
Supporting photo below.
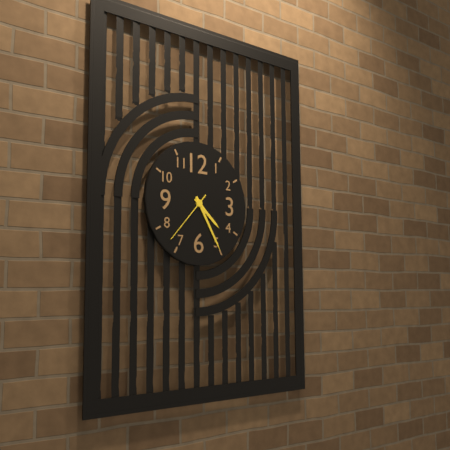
**4:25:37**
